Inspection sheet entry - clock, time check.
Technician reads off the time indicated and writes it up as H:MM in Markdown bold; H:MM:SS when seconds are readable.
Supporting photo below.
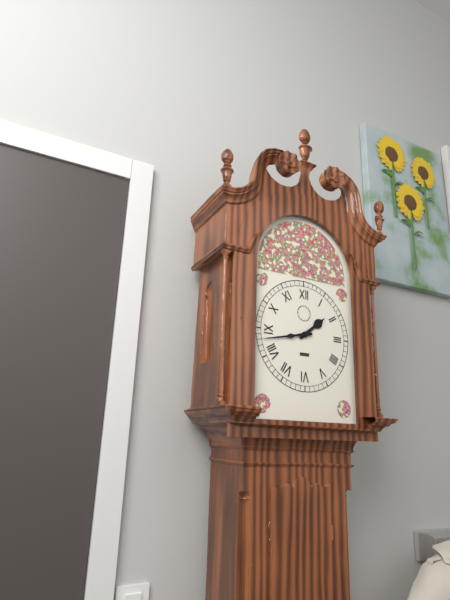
**1:43**
